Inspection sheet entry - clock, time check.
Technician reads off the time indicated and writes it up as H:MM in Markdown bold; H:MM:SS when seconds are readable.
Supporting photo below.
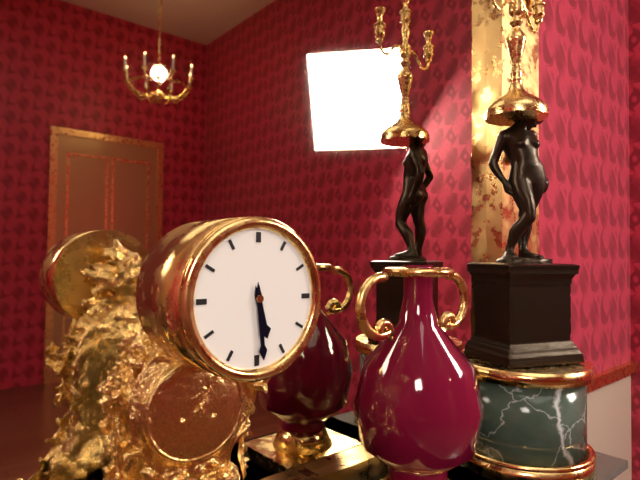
**5:29**
